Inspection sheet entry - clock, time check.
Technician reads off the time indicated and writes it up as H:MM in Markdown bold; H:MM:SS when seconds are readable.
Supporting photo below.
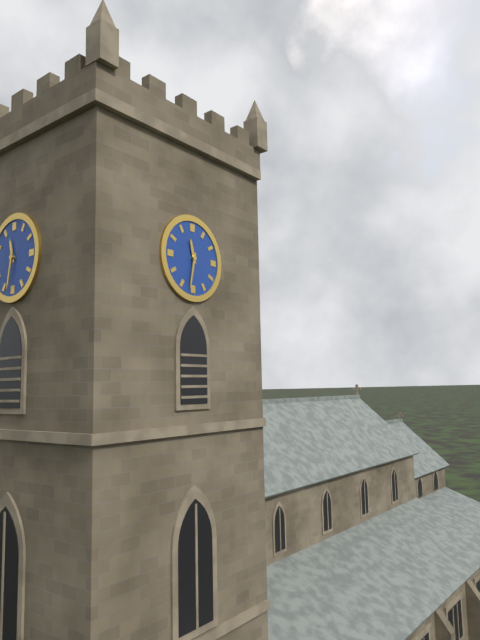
**11:32**
